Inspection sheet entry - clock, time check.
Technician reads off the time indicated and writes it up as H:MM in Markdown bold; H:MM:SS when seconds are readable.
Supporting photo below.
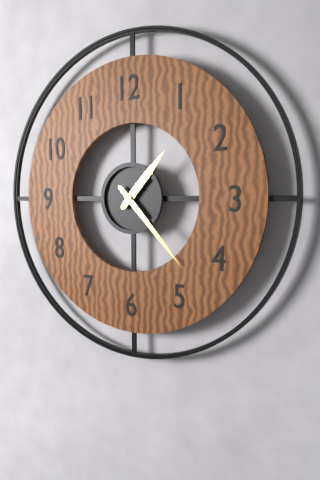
**1:23**
